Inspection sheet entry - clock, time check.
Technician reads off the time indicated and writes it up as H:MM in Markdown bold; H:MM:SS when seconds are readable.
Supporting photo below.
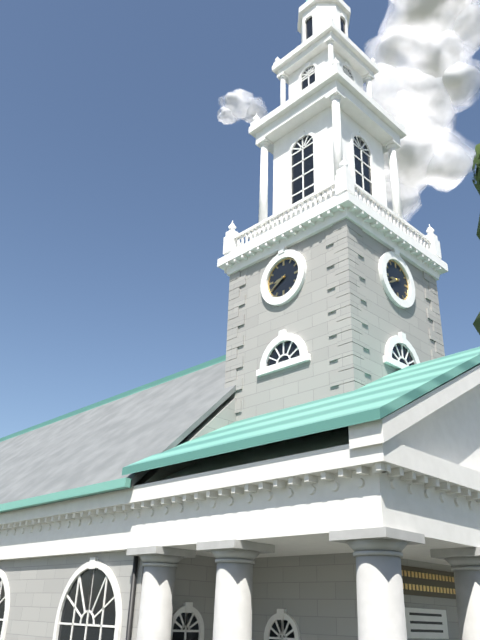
**8:40**
